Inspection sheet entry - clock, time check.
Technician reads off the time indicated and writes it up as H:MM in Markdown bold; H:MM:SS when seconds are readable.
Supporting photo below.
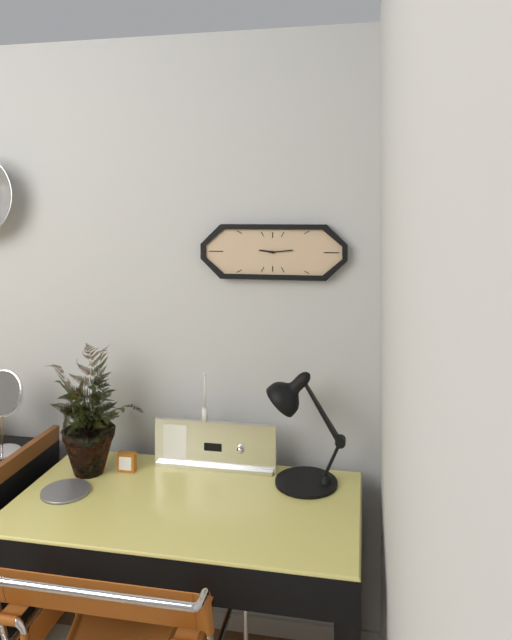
**9:14**
